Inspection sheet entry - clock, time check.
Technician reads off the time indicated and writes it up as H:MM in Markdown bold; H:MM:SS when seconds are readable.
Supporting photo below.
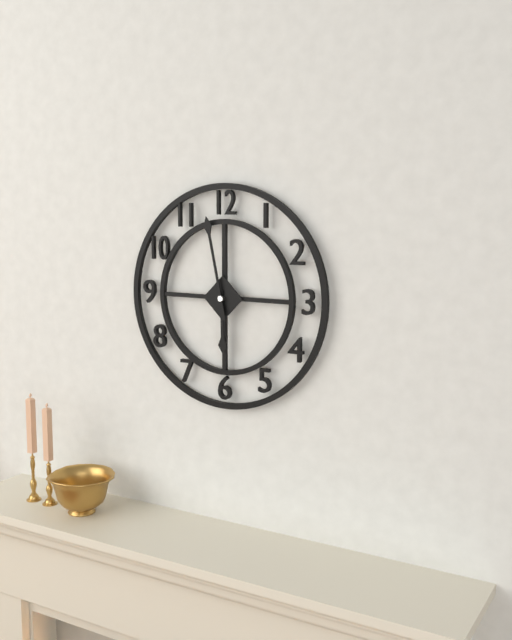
**5:58**
